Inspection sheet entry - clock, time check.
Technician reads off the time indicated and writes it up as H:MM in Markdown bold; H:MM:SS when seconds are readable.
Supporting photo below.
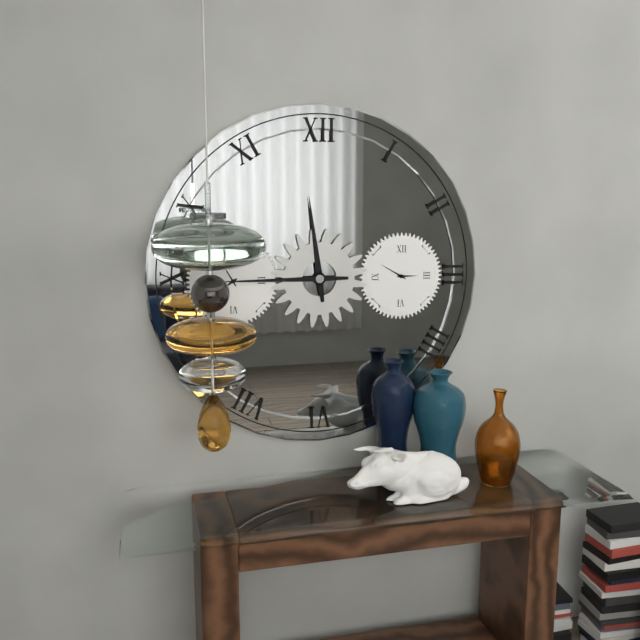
**11:45**
